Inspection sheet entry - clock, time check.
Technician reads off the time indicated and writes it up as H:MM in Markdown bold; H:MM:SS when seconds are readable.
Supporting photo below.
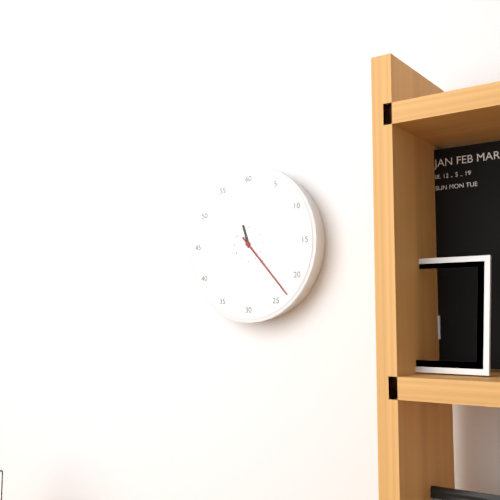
**11:23**
